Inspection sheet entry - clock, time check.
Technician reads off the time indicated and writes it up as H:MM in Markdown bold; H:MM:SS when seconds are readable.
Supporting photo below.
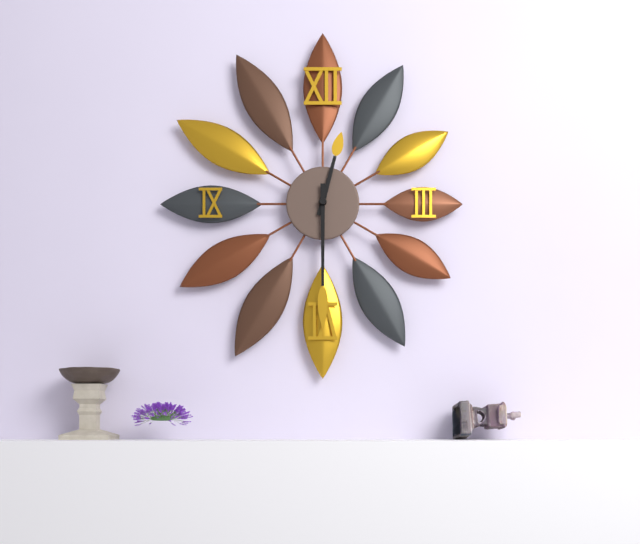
**12:30**
